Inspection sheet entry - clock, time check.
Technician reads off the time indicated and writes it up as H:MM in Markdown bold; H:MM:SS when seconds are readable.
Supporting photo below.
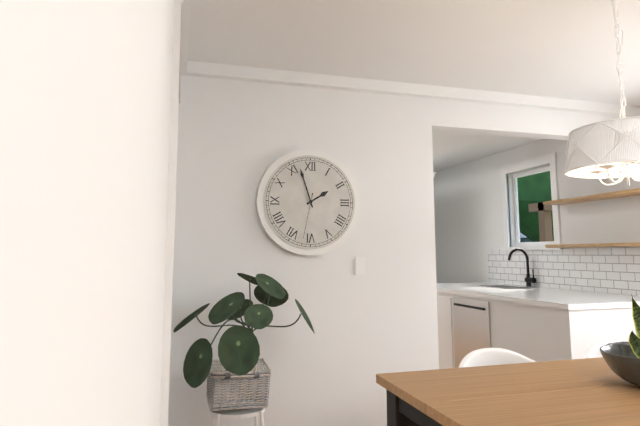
**1:57**
